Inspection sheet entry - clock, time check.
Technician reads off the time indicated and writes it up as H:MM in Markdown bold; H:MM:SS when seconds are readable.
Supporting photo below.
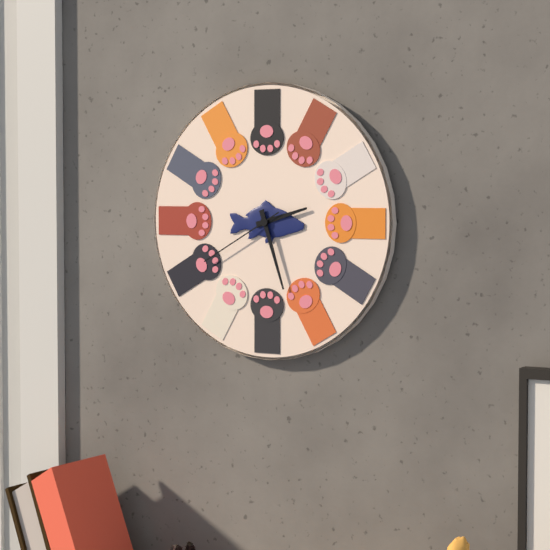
**2:27:40**
